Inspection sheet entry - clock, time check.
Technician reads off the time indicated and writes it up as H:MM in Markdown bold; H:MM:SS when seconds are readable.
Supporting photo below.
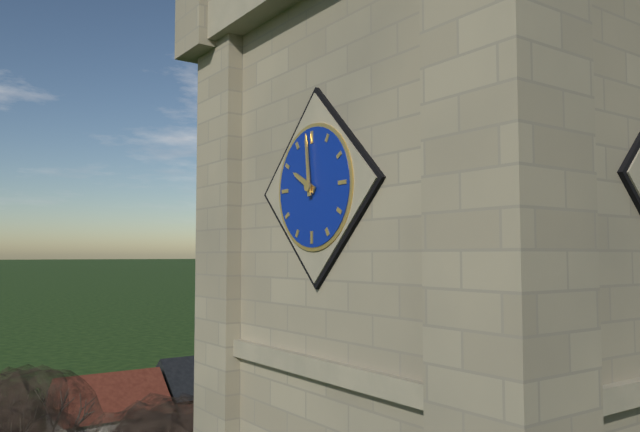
**9:59**
